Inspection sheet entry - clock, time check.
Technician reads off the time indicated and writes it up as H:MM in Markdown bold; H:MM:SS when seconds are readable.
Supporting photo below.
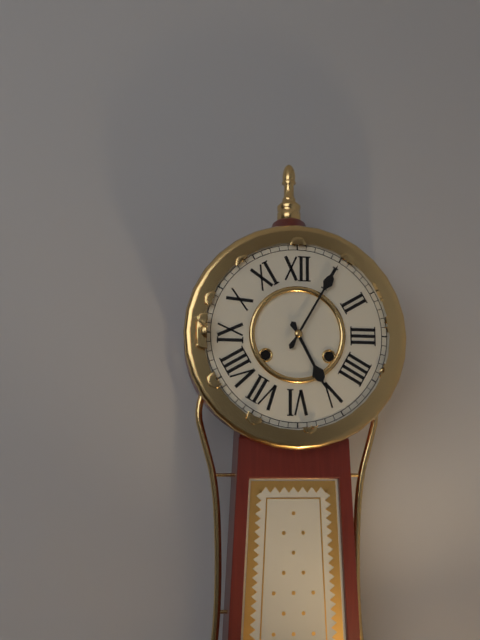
**5:05**
